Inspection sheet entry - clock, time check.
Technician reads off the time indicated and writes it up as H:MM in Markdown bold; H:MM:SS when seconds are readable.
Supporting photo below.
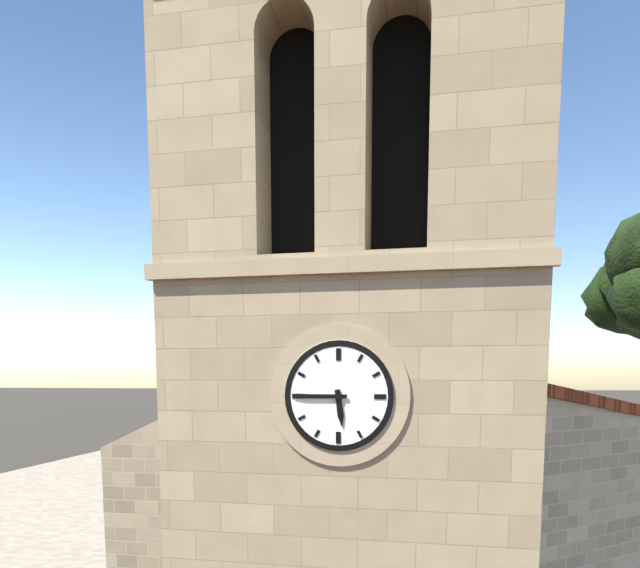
**5:45**
